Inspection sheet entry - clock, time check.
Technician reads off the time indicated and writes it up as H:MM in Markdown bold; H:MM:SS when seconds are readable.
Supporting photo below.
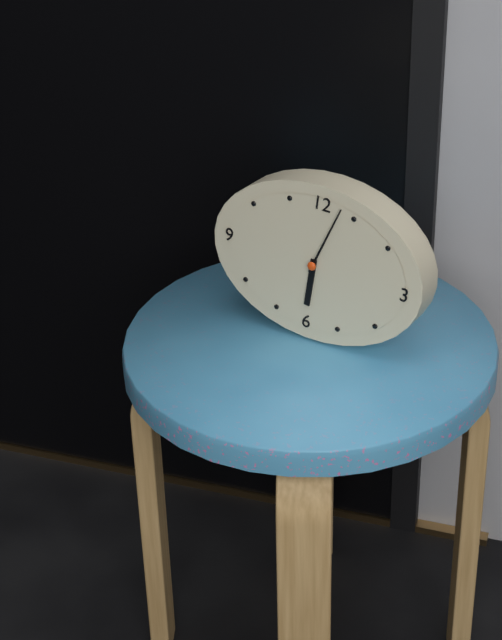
**6:03**
